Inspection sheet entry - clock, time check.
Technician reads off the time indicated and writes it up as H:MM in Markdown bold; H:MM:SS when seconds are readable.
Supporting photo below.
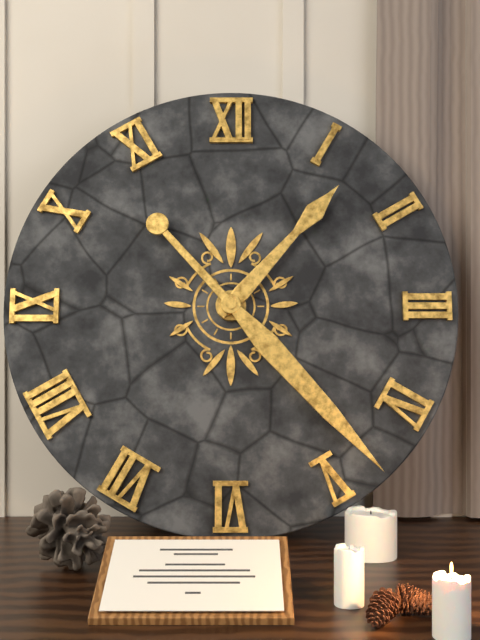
**1:23**
